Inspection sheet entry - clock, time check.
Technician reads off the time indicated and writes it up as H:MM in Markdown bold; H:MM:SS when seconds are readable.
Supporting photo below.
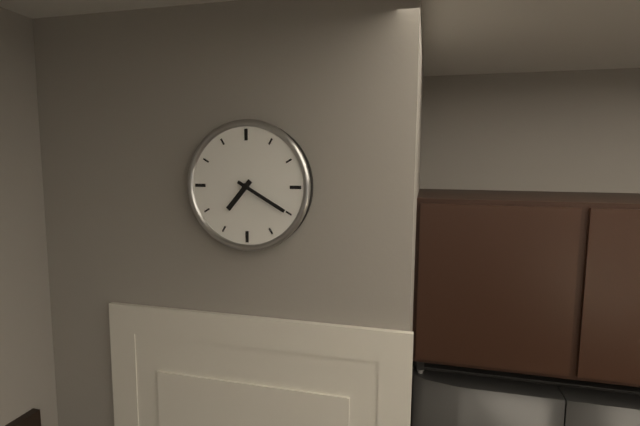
**7:20**
